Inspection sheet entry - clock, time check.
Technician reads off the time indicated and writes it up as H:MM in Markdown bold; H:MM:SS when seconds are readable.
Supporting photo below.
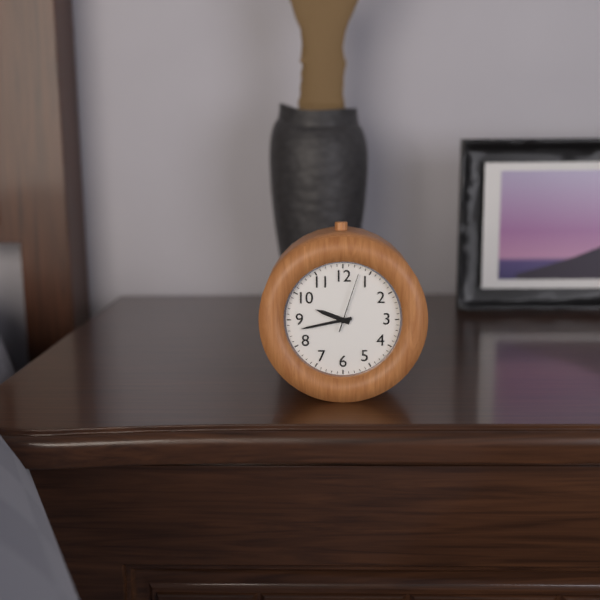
**9:43:03**
